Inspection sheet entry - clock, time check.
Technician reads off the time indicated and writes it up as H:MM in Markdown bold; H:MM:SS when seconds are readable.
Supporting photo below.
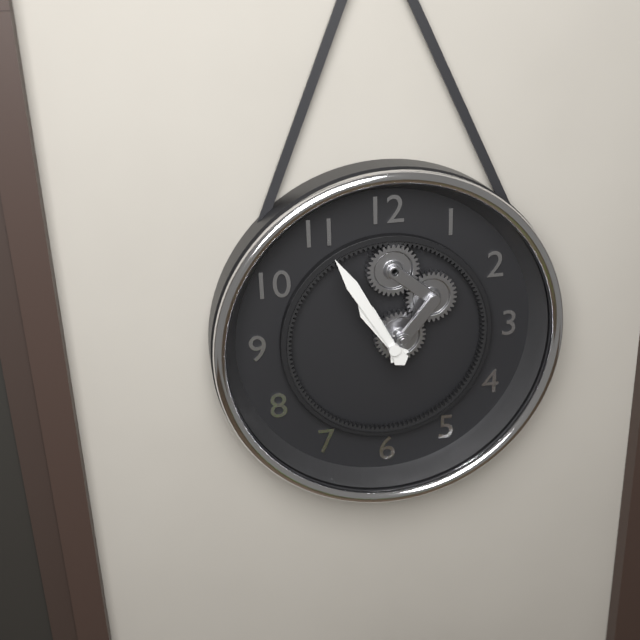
**10:55**
